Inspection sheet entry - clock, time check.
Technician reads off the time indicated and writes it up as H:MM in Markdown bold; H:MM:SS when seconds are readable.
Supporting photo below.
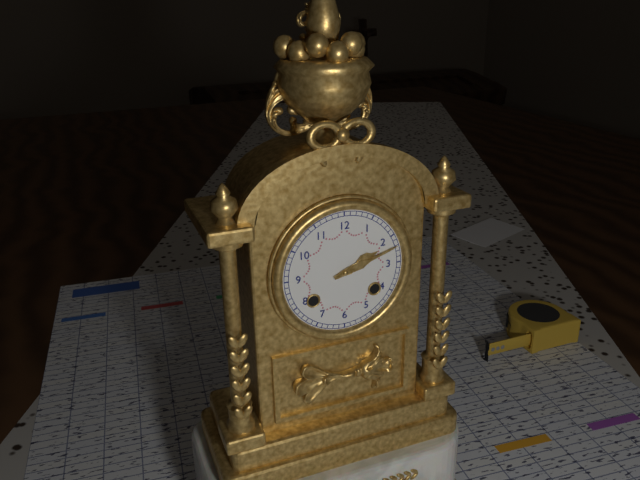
**2:12**
